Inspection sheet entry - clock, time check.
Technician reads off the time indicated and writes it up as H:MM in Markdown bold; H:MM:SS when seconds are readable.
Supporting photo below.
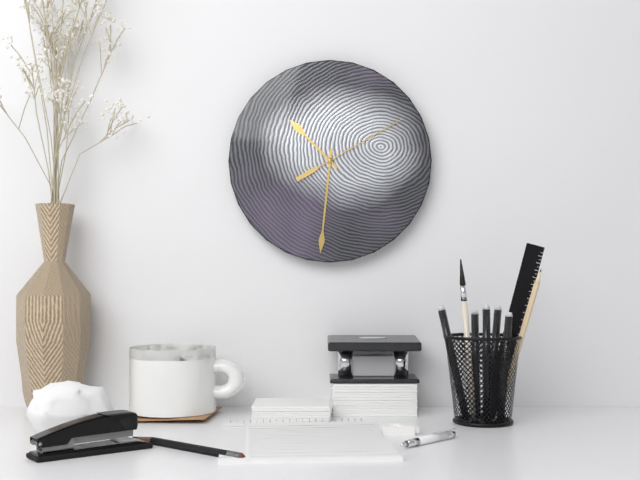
**10:31:10**
